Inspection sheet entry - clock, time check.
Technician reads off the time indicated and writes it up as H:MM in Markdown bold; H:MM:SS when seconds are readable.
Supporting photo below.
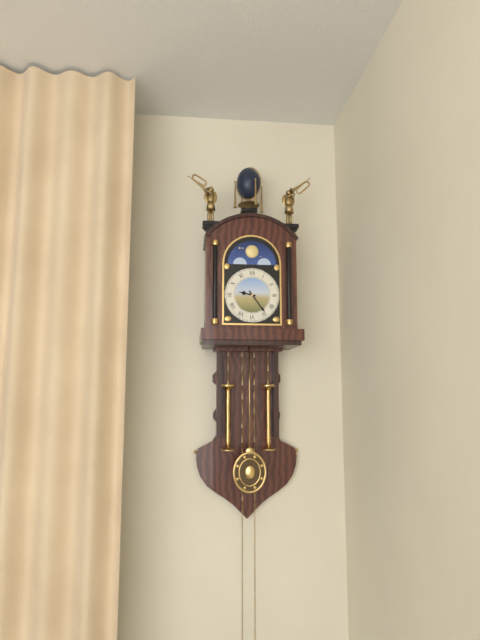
**9:24**
